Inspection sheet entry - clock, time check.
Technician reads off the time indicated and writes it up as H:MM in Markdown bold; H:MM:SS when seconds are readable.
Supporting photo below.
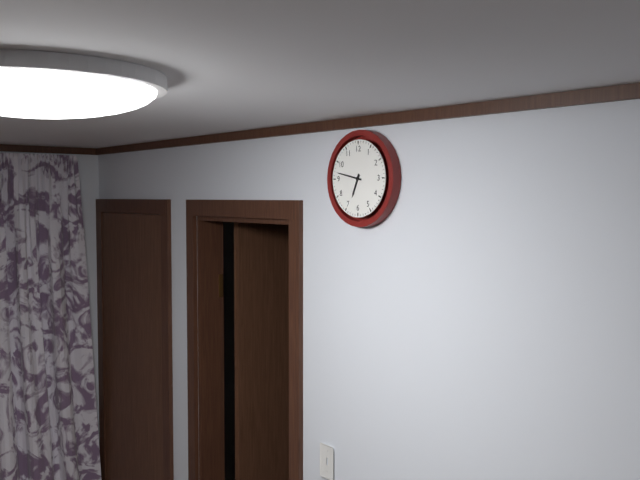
**6:47**
